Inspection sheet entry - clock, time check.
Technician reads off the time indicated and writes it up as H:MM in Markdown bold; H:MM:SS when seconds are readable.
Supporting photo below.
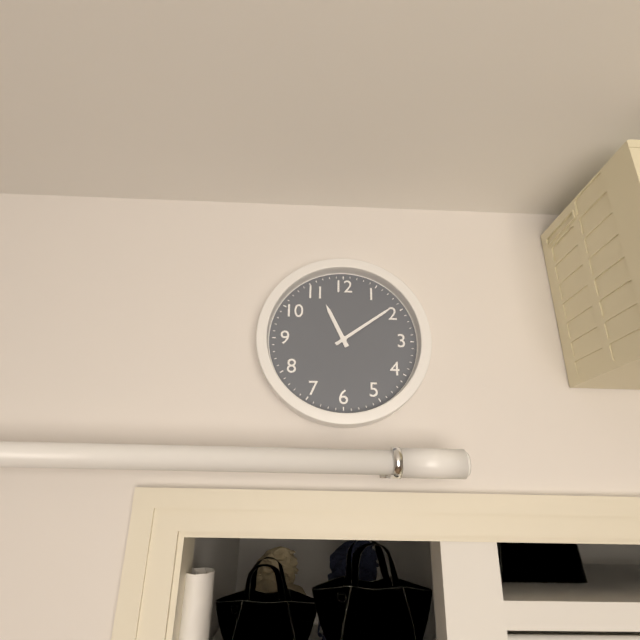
**11:09**
